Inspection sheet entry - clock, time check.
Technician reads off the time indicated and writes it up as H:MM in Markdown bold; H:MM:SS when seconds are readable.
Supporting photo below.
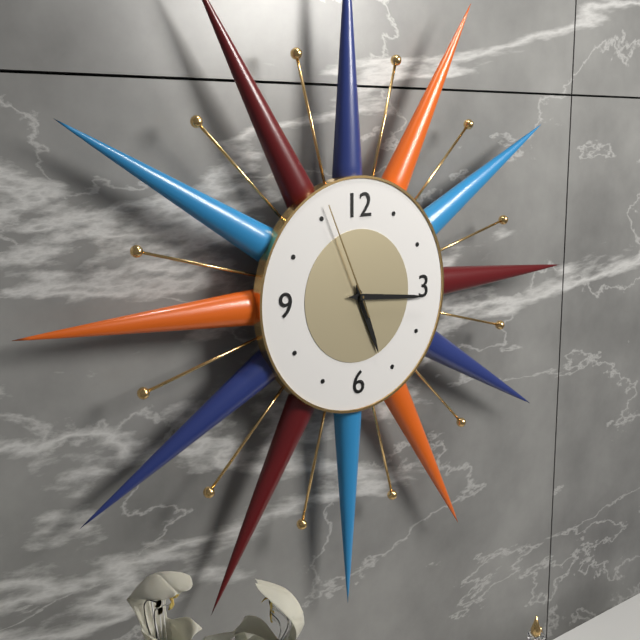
**5:16:56**
